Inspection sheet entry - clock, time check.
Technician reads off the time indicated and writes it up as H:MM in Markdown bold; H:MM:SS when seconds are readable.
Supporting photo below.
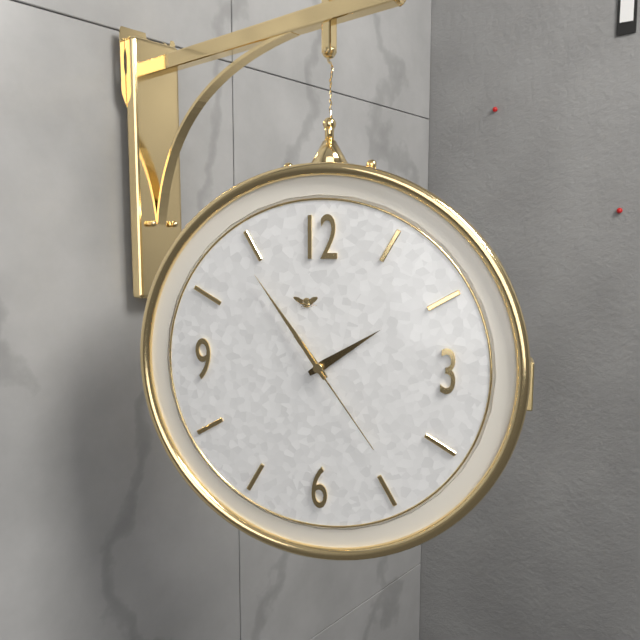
**1:54:24**
